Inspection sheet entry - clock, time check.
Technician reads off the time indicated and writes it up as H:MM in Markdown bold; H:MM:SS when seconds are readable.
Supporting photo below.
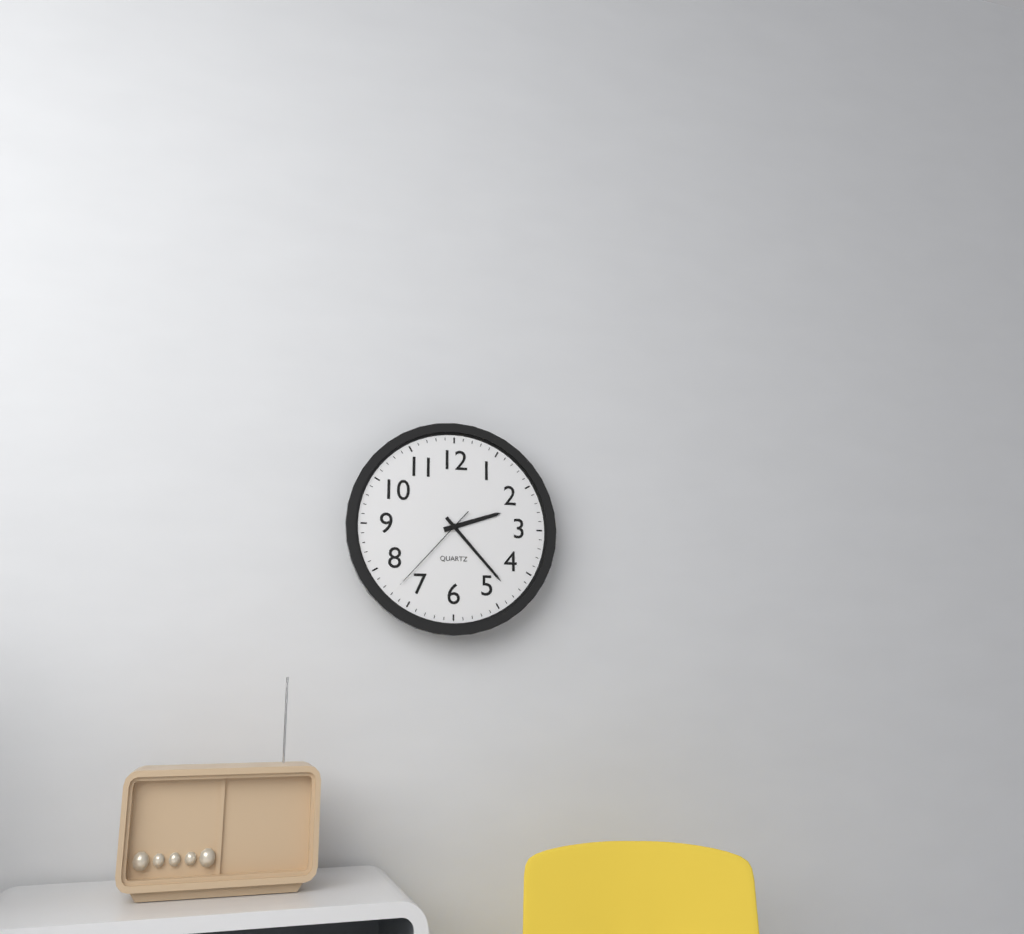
**2:23:37**
